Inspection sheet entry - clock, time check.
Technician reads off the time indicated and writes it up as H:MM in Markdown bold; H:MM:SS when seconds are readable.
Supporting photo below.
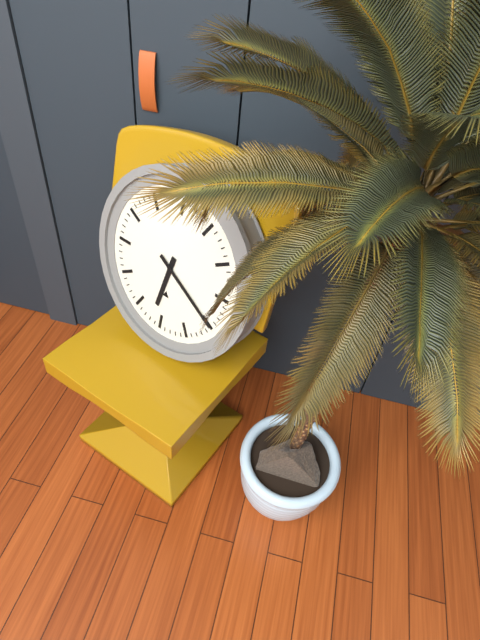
**6:20**
